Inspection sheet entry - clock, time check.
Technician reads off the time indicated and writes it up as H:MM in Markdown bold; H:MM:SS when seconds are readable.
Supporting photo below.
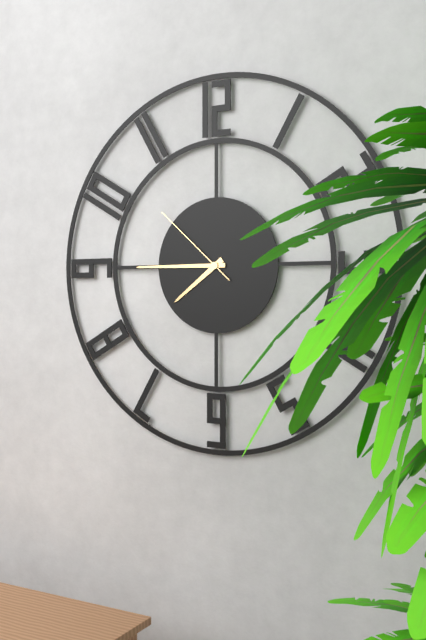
**7:45:52**
